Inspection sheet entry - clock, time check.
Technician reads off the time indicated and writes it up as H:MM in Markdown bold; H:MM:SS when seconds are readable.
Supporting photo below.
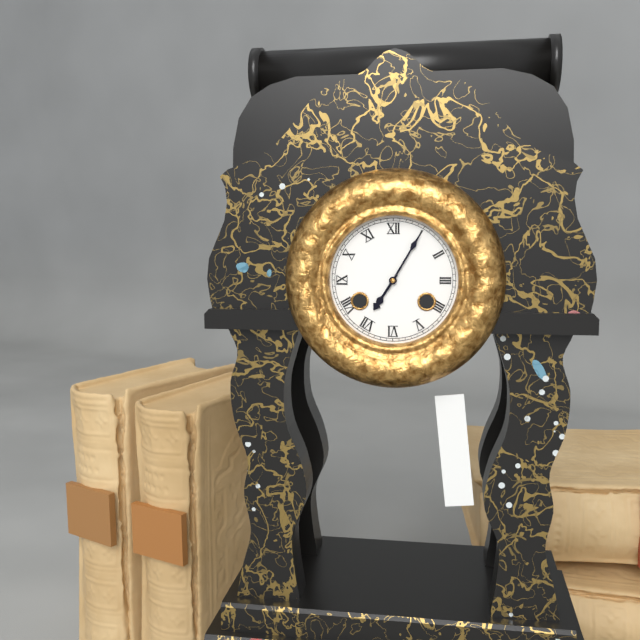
**7:05**
